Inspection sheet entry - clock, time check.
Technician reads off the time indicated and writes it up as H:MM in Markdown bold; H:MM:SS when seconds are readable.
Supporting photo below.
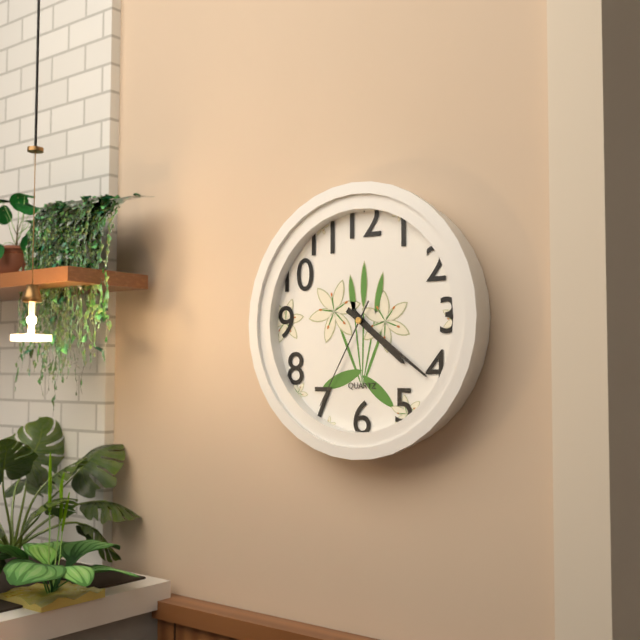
**4:21:35**
